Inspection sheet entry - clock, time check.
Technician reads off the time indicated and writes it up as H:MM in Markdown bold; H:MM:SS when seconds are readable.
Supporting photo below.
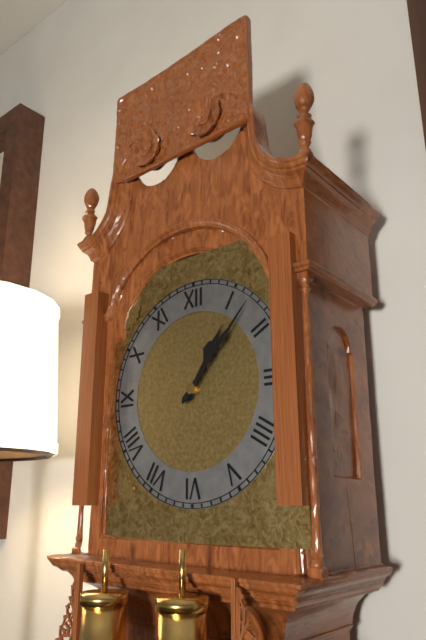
**1:07**
